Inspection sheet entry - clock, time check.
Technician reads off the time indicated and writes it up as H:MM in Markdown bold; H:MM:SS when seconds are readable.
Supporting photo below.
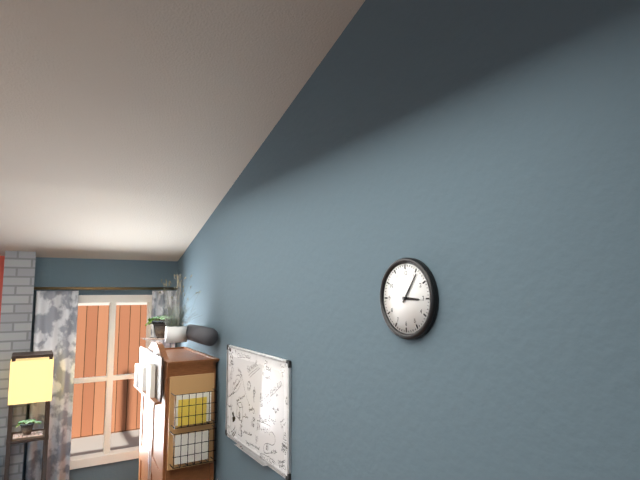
**3:06**
